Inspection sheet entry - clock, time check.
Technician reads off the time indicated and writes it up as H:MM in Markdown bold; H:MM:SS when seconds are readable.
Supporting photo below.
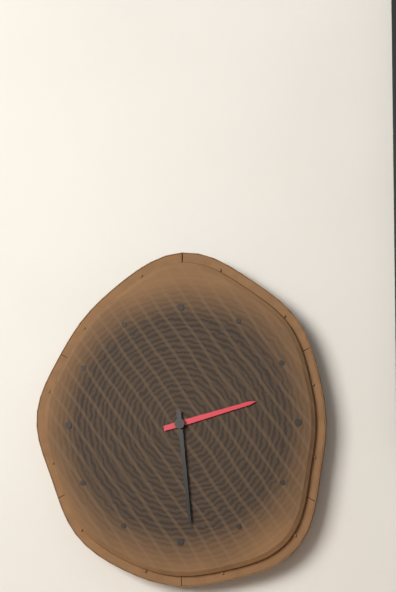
**2:29**
